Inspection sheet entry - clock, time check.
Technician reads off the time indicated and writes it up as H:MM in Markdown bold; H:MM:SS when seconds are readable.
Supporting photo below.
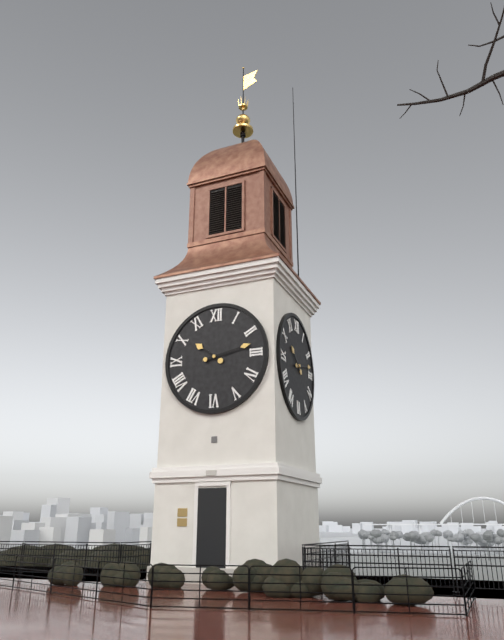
**10:13**
